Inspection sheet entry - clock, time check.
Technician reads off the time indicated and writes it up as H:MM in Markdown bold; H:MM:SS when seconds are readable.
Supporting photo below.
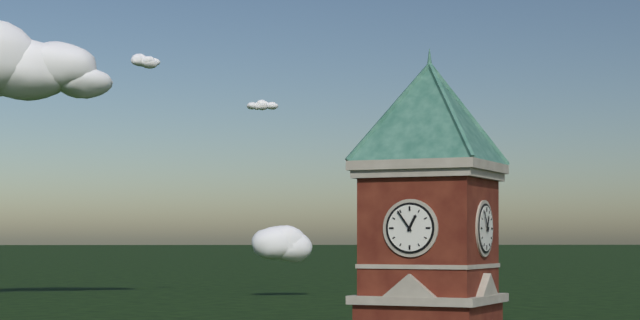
**12:54**
